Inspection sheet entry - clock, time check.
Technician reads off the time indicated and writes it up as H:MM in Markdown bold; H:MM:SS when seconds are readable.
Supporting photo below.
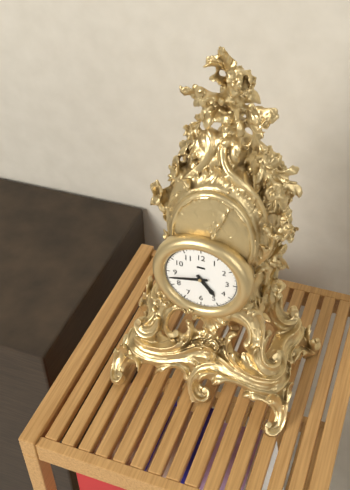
**4:43**
